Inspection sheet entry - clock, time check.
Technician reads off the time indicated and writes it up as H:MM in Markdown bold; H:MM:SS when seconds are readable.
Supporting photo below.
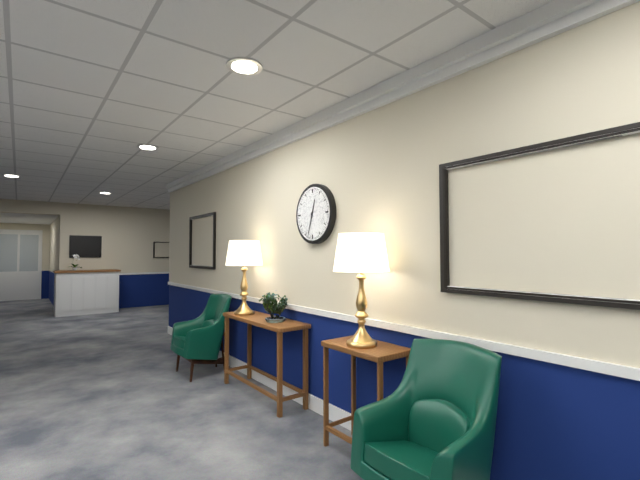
**12:33**
